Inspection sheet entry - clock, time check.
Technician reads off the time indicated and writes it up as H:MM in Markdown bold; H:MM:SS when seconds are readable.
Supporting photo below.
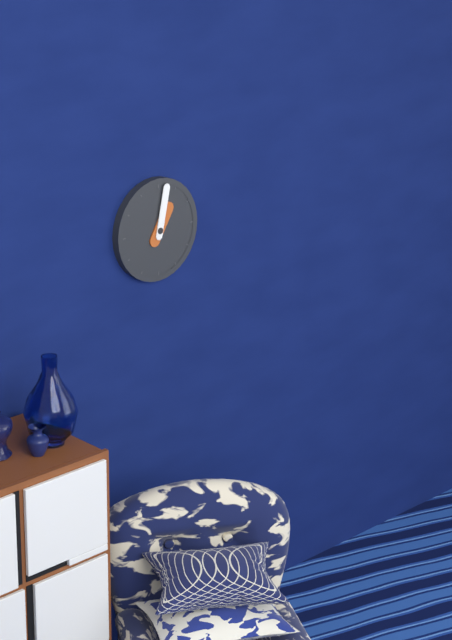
**1:02**
